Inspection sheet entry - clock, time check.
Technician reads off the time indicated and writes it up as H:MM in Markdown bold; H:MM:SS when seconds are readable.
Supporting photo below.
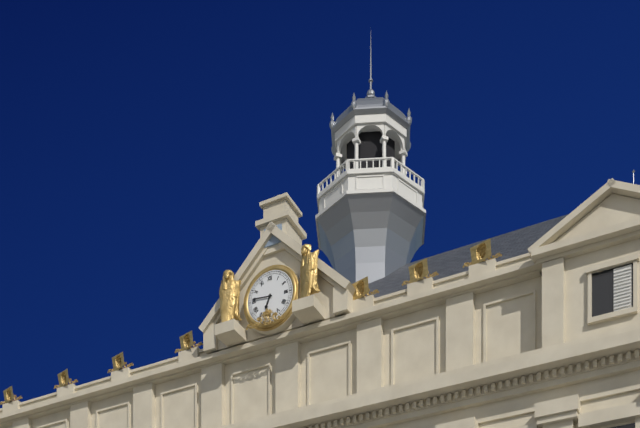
**6:46**
